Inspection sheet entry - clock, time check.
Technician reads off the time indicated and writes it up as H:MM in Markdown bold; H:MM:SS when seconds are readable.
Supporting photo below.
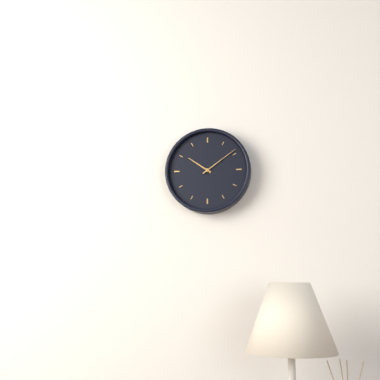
**10:09**
